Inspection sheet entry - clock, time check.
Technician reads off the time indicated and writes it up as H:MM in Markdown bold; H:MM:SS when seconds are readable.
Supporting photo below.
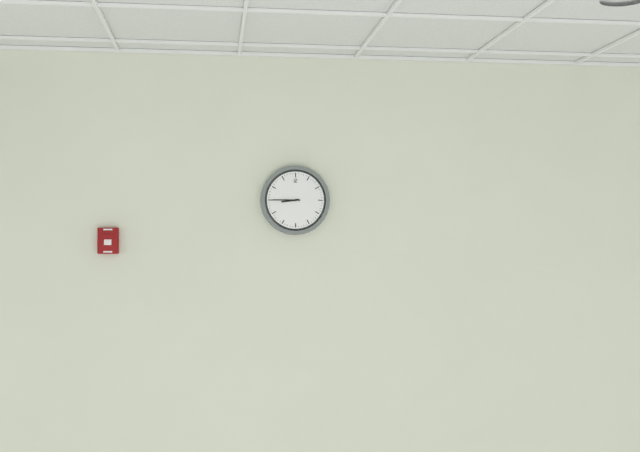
**8:45**
